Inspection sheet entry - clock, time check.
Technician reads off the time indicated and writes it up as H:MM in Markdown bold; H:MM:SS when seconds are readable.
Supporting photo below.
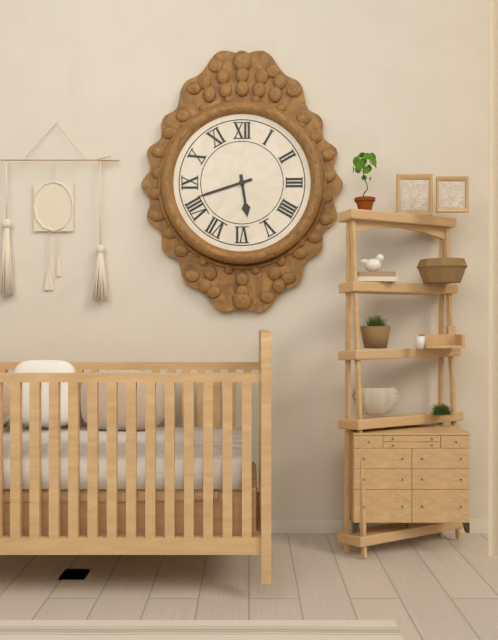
**5:42**
